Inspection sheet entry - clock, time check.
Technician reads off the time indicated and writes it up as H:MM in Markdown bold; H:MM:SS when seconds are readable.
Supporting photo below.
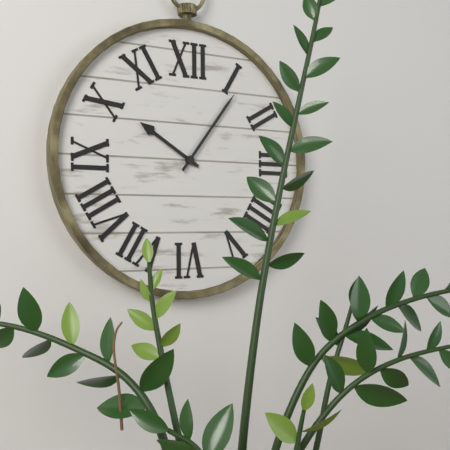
**10:06**
